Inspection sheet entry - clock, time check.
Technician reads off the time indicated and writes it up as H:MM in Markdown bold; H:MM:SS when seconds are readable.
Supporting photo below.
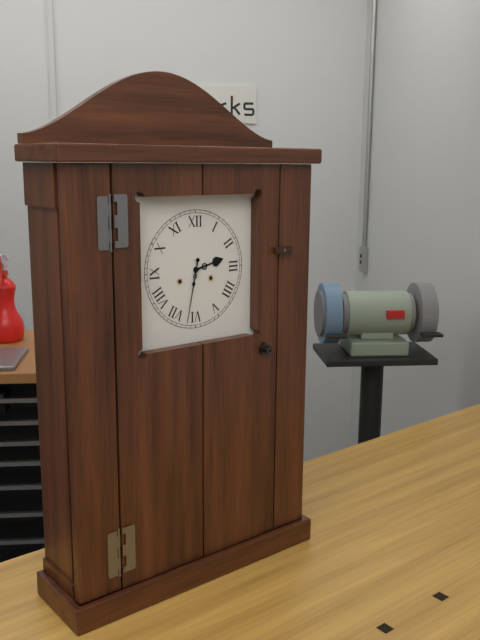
**2:32**
